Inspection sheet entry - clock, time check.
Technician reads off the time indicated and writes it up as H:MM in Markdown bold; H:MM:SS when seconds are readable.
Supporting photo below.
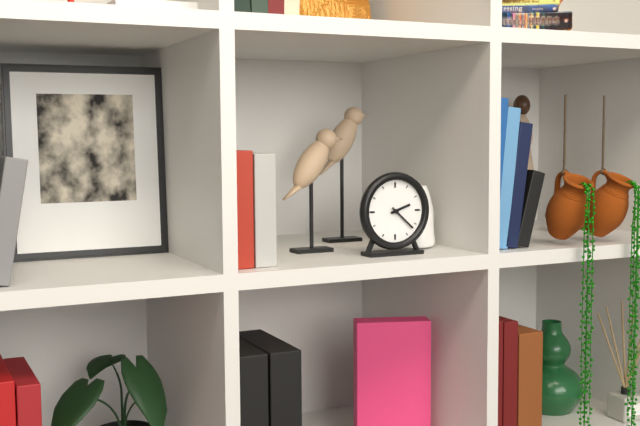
**2:22**
